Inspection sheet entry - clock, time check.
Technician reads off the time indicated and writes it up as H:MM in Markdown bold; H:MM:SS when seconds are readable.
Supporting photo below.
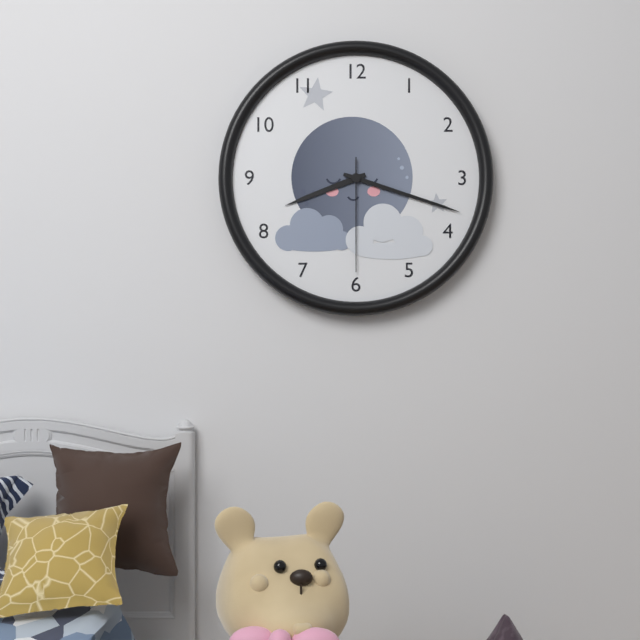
**8:18:30**
